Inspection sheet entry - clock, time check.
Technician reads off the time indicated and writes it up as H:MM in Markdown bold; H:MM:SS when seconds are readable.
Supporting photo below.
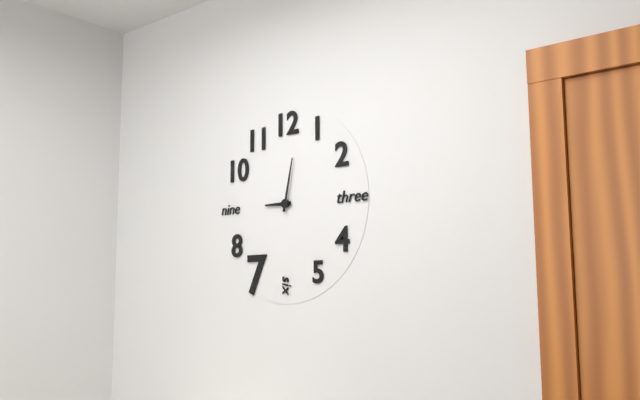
**9:02**
